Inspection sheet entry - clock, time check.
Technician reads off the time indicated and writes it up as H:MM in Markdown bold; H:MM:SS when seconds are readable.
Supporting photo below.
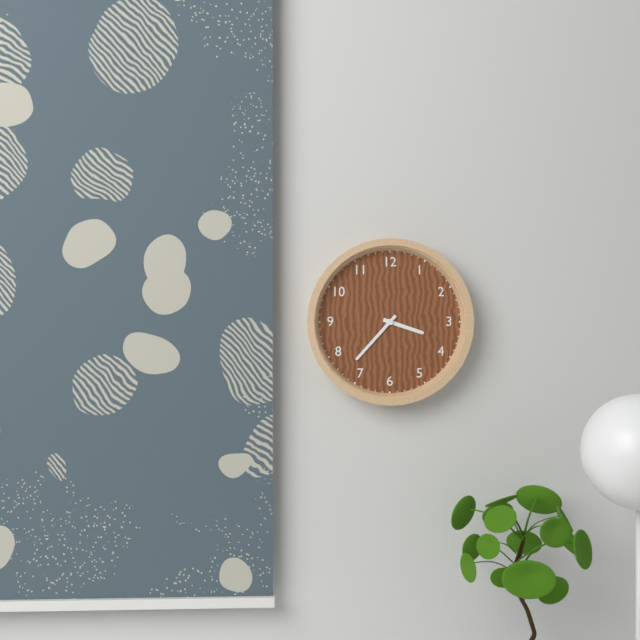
**3:37**
